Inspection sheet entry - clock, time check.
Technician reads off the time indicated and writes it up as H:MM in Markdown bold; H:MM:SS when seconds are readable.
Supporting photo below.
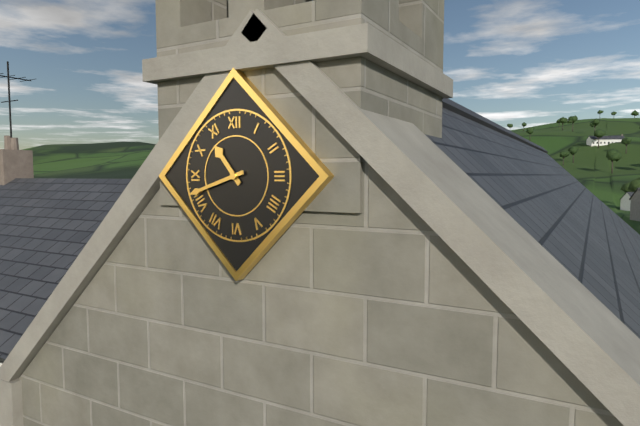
**10:42**
